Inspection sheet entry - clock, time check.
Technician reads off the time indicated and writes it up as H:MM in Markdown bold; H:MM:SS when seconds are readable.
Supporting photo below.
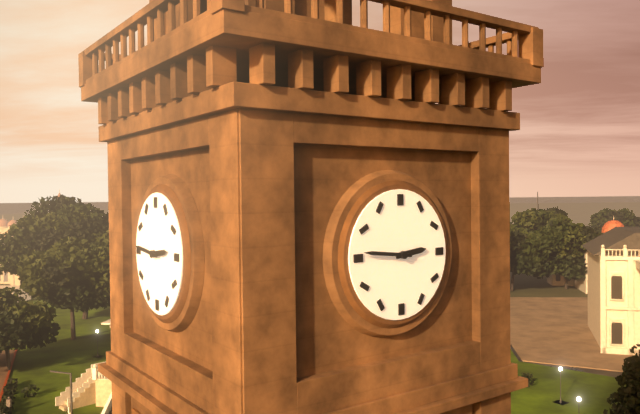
**2:46**
